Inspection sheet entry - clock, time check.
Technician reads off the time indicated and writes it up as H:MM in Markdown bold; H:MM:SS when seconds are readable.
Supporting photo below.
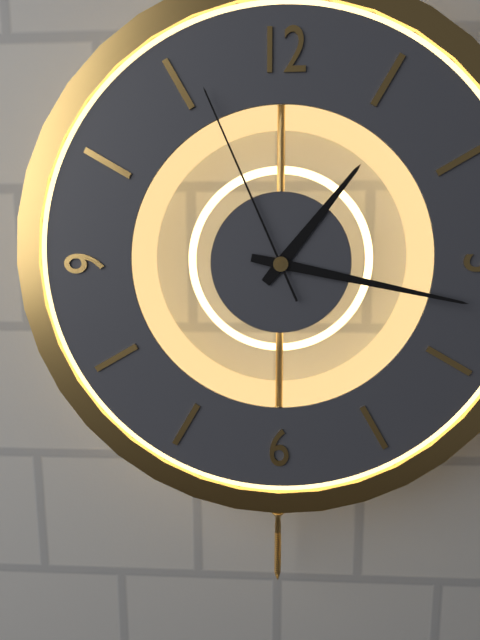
**1:17:56**
